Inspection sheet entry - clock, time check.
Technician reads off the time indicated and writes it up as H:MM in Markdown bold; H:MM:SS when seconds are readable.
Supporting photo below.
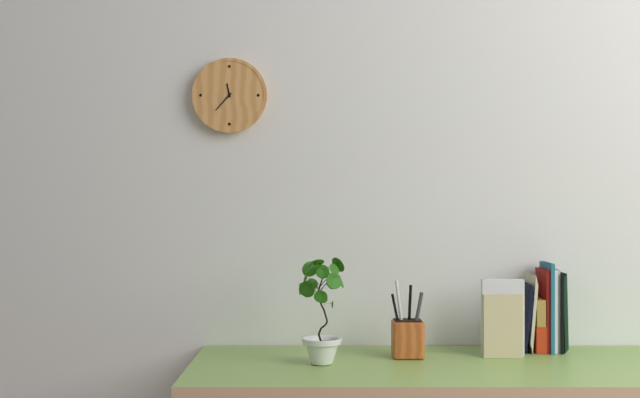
**11:37**
